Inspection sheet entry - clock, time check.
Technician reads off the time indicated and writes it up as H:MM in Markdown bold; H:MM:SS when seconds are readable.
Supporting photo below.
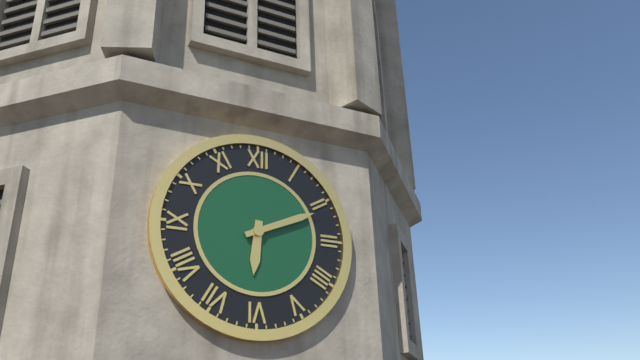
**6:11**
